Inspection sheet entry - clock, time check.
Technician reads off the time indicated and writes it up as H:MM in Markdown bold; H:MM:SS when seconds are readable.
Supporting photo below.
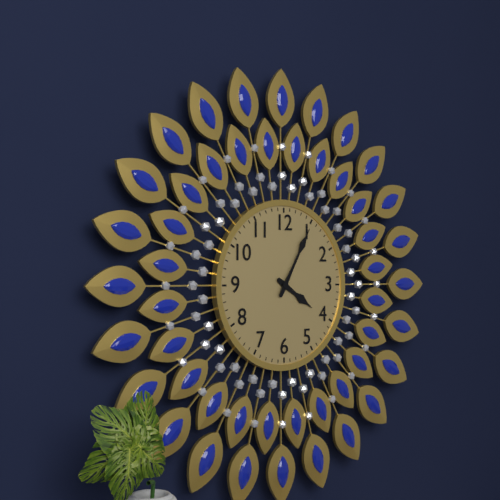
**4:05**
